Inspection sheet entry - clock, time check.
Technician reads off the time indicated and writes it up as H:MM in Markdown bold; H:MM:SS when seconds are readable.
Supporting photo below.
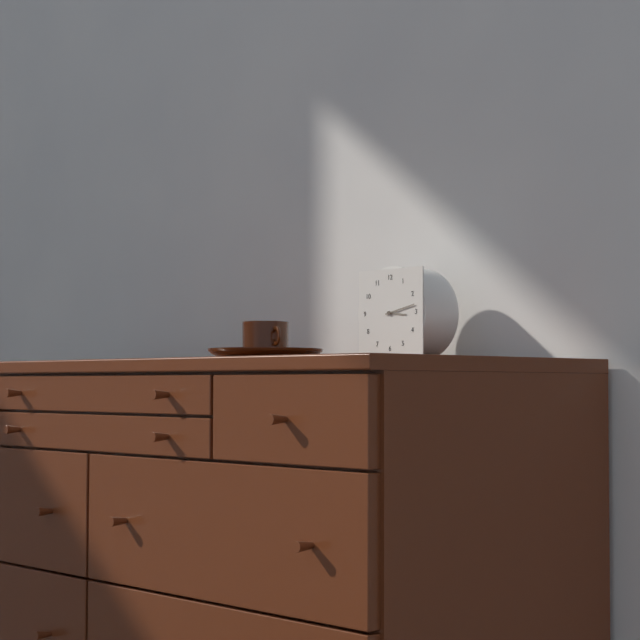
**3:13**
